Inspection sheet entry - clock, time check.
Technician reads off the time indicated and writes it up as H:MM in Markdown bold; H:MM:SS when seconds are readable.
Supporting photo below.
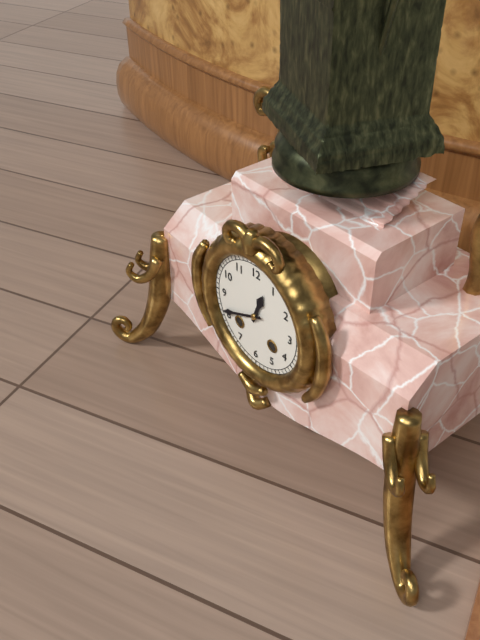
**12:41**
